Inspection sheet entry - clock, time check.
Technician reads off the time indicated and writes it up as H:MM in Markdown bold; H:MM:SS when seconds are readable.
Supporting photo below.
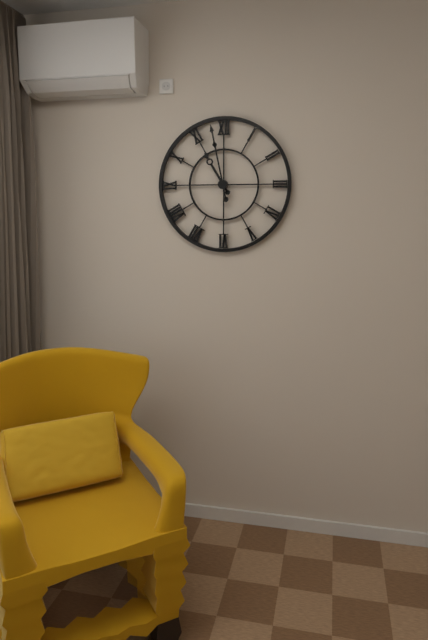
**10:58**
